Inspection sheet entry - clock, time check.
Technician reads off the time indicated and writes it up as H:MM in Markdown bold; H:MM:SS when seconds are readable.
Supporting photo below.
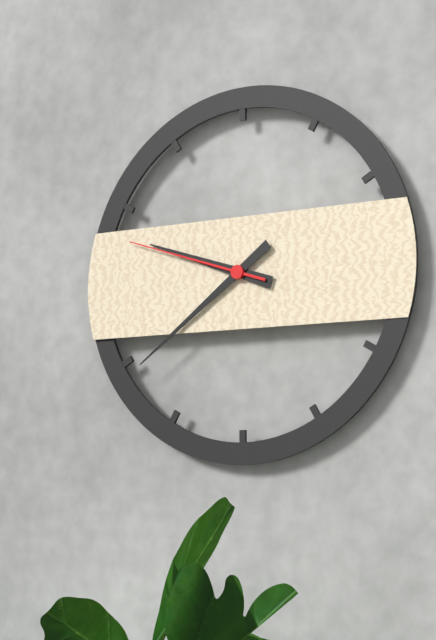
**9:39:48**
